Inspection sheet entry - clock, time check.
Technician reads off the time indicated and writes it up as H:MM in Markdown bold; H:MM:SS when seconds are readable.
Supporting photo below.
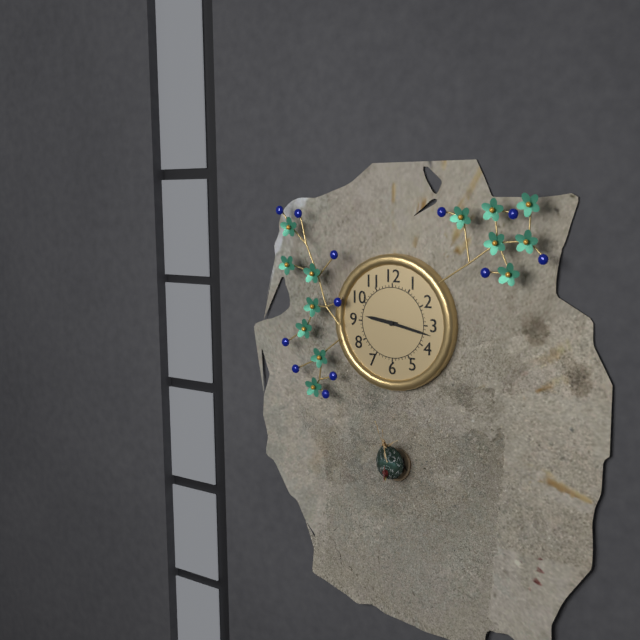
**9:17**
